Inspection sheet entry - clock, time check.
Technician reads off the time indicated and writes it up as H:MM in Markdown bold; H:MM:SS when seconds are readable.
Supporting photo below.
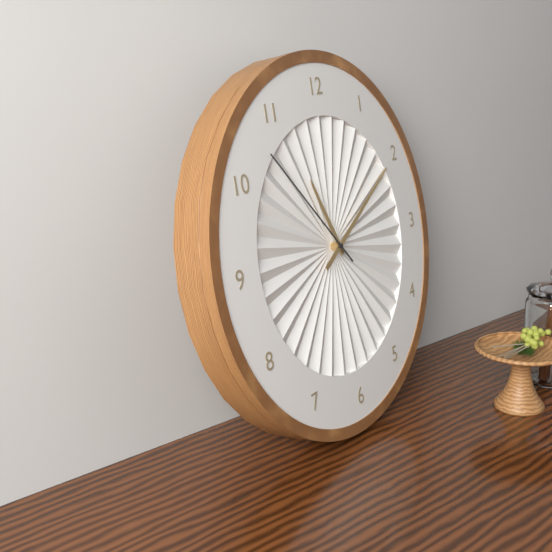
**11:10:53**
